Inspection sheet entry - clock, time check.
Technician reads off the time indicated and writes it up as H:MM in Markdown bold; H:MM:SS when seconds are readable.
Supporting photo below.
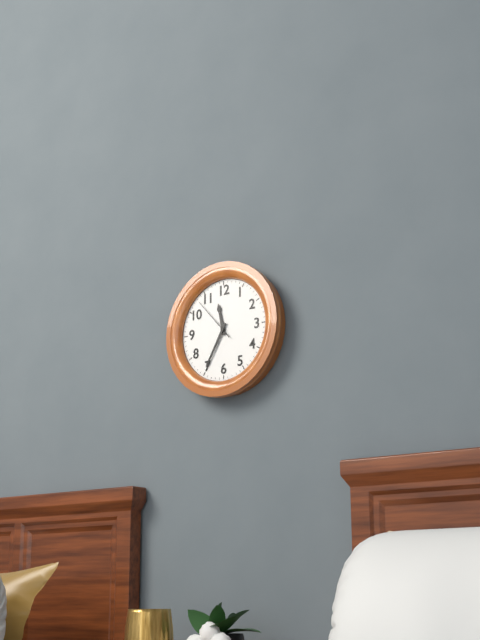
**11:35**
